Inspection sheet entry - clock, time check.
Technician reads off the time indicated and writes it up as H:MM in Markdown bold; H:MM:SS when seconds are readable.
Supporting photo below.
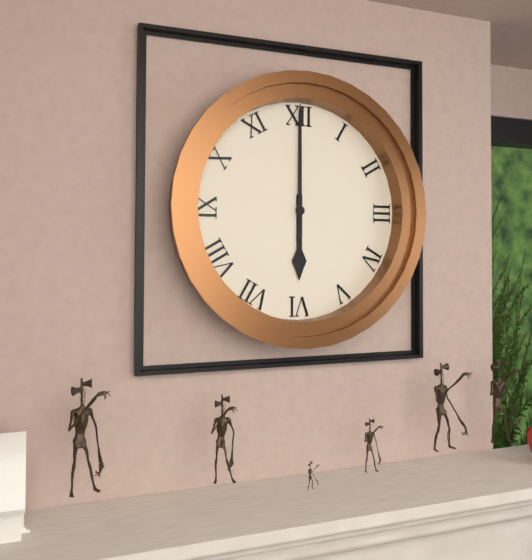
**6:00**
